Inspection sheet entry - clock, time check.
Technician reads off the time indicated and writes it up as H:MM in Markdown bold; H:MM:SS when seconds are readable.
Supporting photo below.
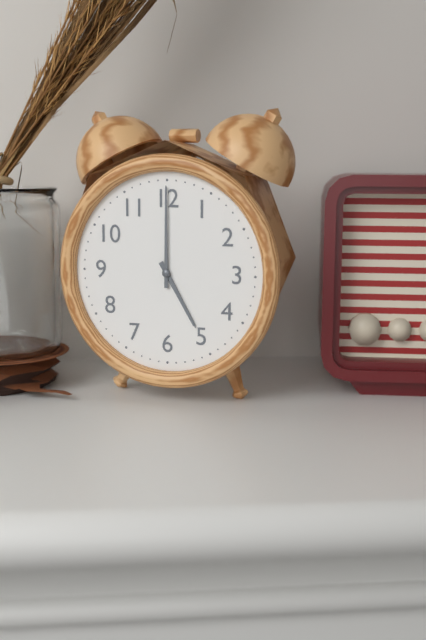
**5:00**
